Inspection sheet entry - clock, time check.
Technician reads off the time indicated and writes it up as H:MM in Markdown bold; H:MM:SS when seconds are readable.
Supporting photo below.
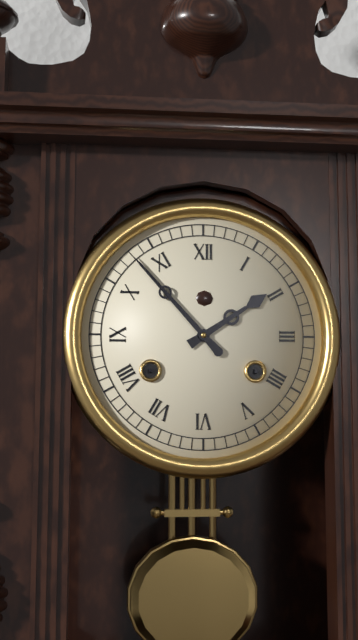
**1:53**
